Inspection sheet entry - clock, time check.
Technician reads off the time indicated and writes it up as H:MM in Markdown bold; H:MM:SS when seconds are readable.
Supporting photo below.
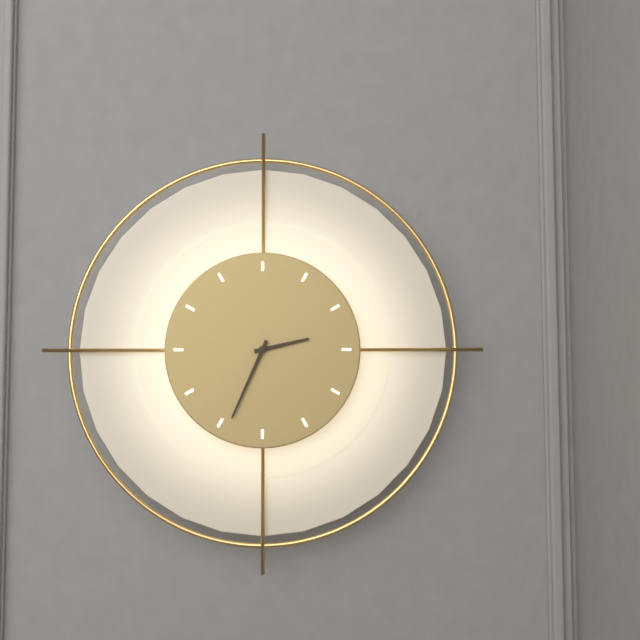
**2:34**
